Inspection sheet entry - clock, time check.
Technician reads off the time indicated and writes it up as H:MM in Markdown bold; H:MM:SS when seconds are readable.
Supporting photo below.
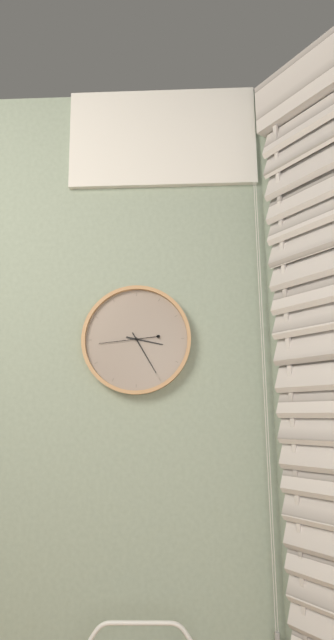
**3:25**
